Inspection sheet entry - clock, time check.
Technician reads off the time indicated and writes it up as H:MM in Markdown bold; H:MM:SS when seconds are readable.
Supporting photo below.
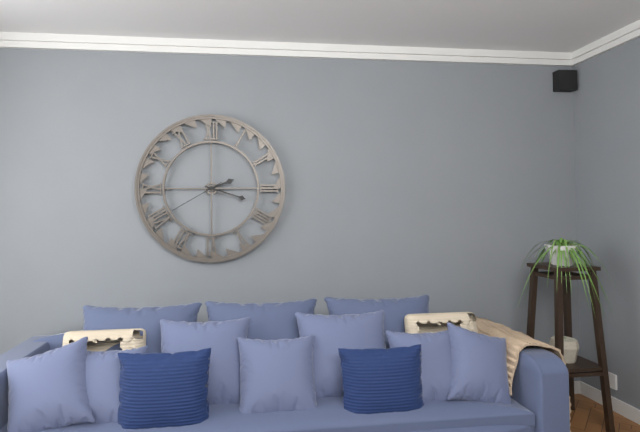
**2:18:40**
